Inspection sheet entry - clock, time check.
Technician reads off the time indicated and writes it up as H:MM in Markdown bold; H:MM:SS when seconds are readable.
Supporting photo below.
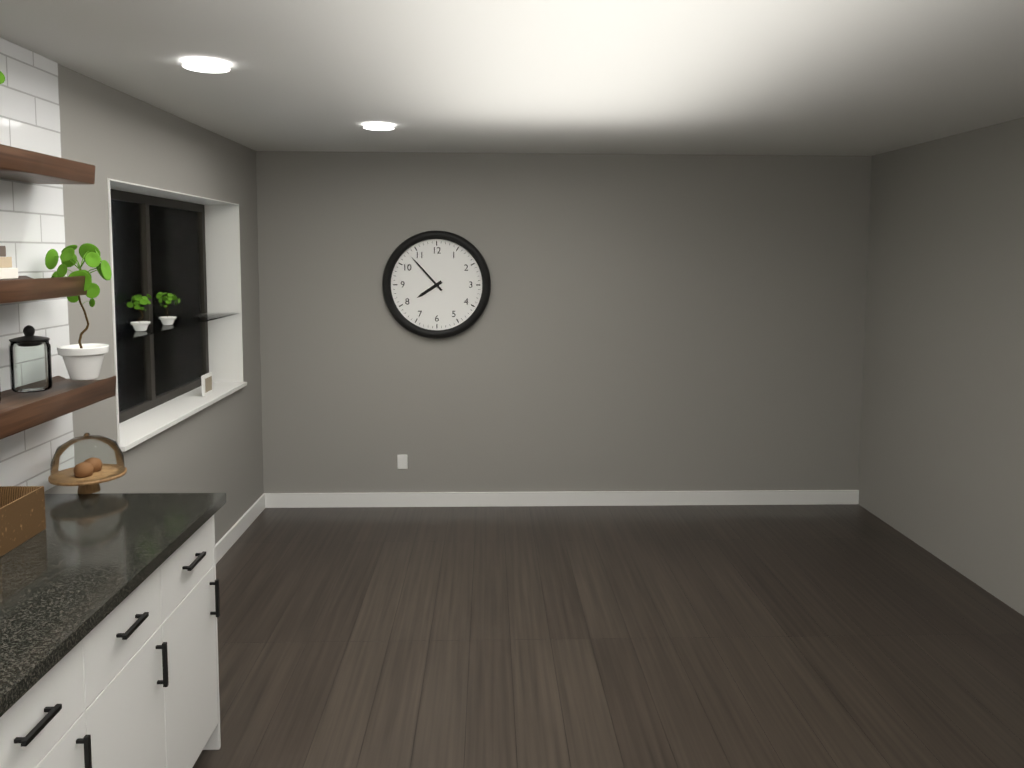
**7:53**
